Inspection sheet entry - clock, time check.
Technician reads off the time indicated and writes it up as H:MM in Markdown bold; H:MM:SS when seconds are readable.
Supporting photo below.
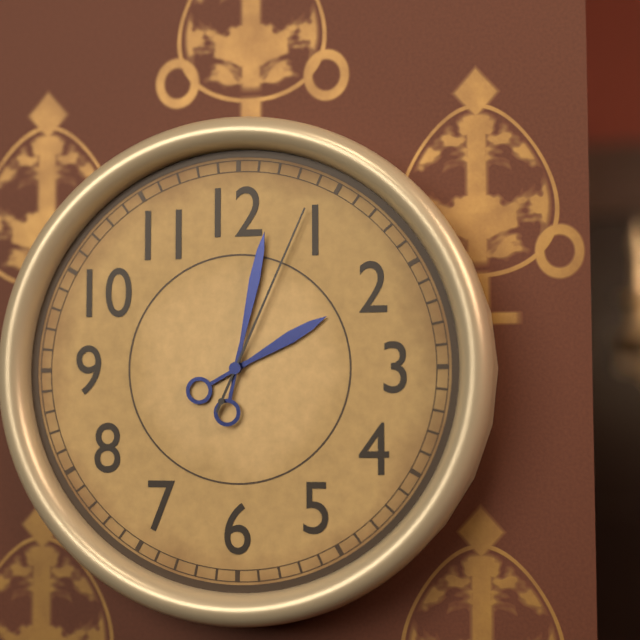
**2:02:04**
